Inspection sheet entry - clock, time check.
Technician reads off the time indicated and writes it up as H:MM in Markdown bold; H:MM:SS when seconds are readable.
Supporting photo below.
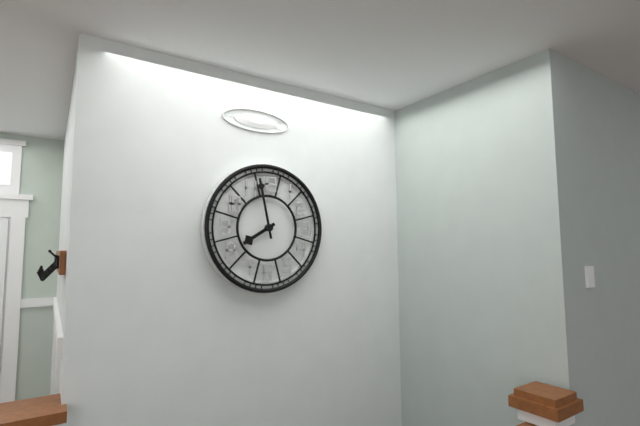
**7:58**
